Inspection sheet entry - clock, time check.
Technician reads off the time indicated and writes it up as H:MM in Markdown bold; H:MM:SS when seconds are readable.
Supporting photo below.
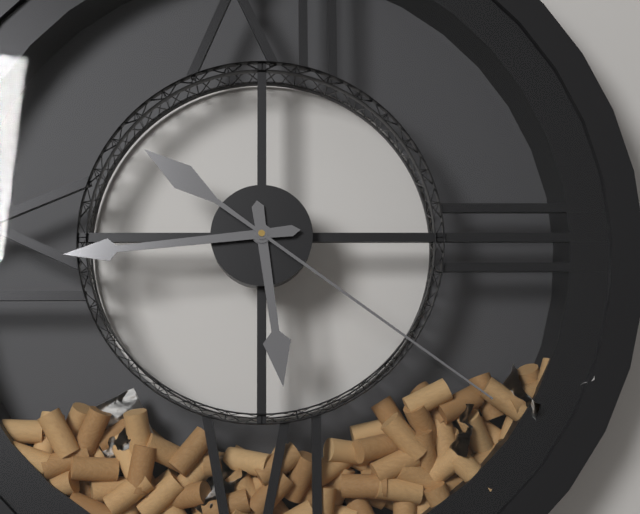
**5:44:21**
